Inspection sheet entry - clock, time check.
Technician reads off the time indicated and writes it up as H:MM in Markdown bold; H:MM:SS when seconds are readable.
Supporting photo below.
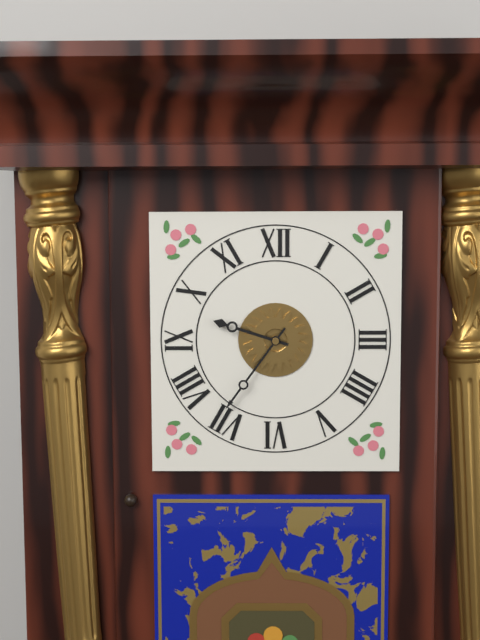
**9:36**
